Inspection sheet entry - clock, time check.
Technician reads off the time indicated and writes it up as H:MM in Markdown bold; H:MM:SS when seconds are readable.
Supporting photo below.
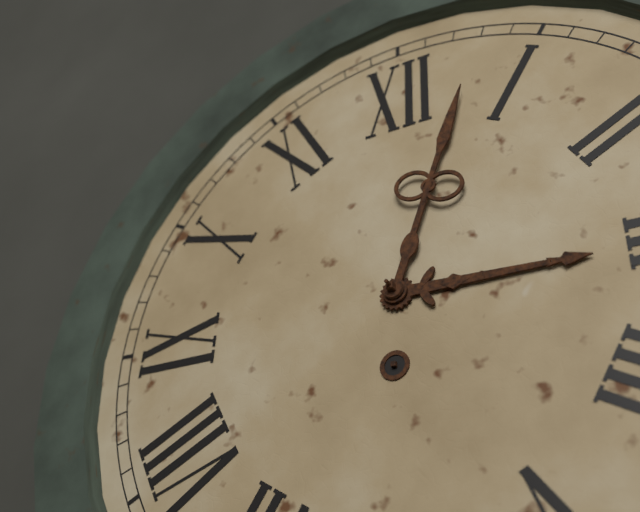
**3:03**
